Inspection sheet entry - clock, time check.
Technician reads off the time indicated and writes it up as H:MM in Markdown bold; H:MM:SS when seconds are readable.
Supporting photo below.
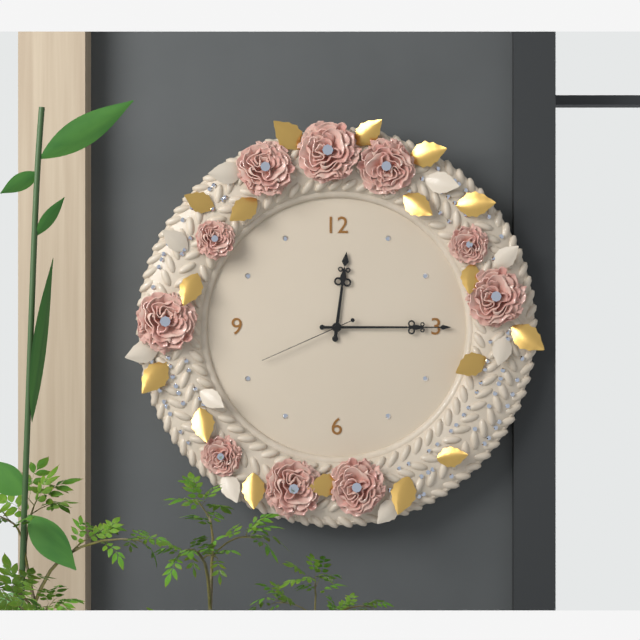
**12:15:41**
